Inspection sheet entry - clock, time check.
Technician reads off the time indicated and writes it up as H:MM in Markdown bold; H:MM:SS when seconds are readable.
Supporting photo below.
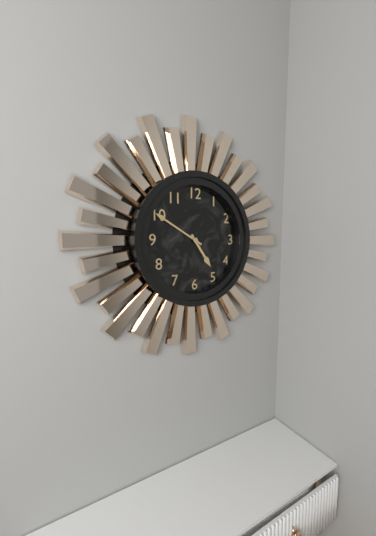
**4:50**
